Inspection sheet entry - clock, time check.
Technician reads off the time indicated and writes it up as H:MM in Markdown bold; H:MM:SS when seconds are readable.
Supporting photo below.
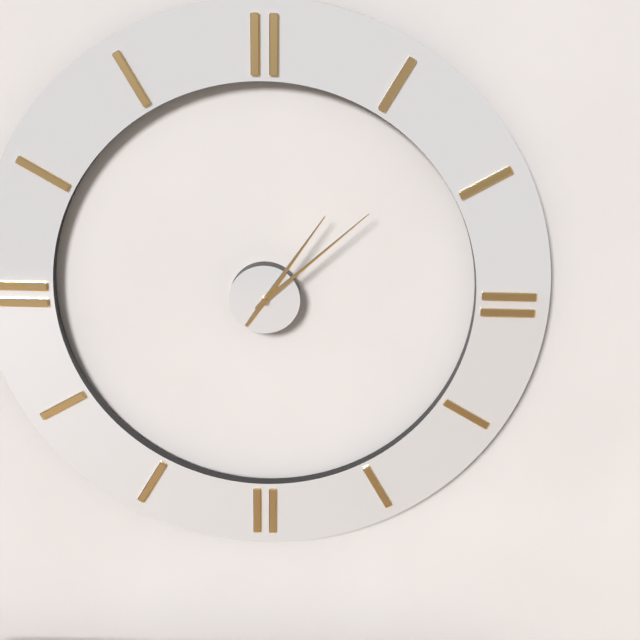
**1:08**
